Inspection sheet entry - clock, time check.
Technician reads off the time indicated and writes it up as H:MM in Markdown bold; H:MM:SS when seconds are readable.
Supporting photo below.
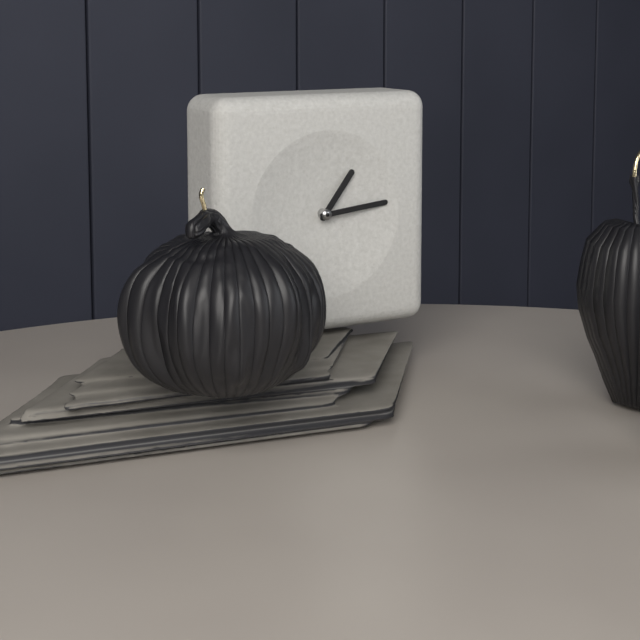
**1:14**
